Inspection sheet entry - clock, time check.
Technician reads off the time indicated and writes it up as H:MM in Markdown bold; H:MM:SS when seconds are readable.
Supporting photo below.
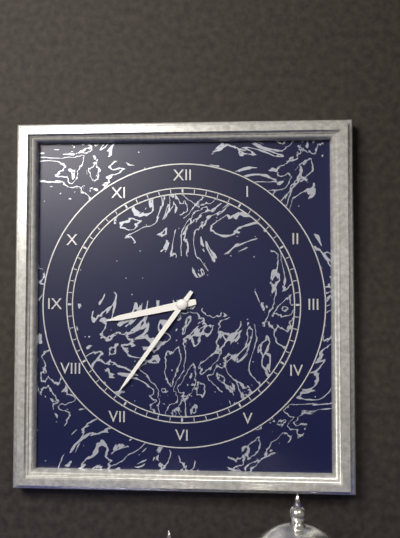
**8:36**
